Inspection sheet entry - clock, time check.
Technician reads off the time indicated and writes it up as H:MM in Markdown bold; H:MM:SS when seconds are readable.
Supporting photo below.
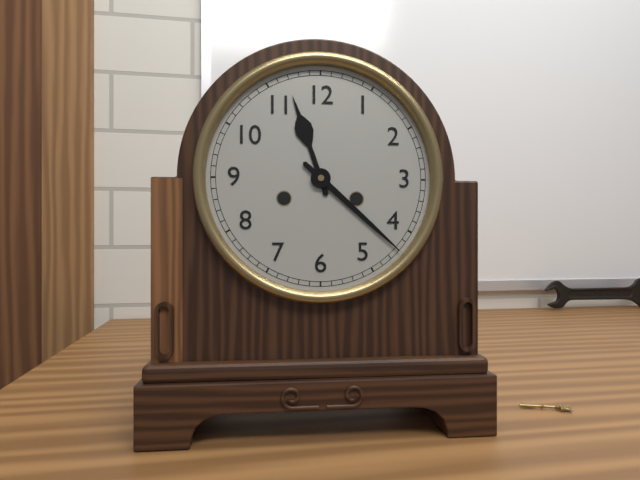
**11:22**
